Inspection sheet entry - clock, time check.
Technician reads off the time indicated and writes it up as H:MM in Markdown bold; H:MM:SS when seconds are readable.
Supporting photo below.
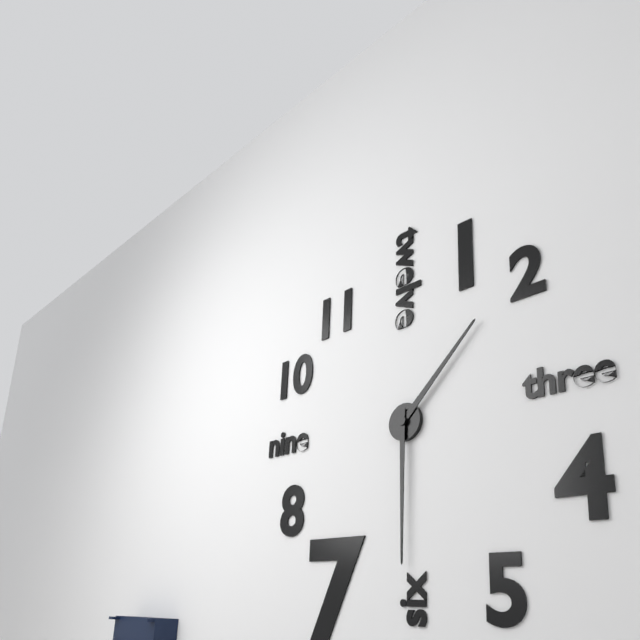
**1:30**
